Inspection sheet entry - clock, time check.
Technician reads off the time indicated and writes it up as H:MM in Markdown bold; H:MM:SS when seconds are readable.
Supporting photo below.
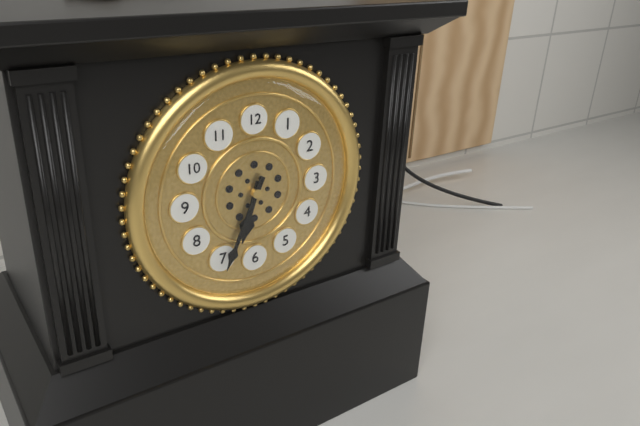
**6:34**
